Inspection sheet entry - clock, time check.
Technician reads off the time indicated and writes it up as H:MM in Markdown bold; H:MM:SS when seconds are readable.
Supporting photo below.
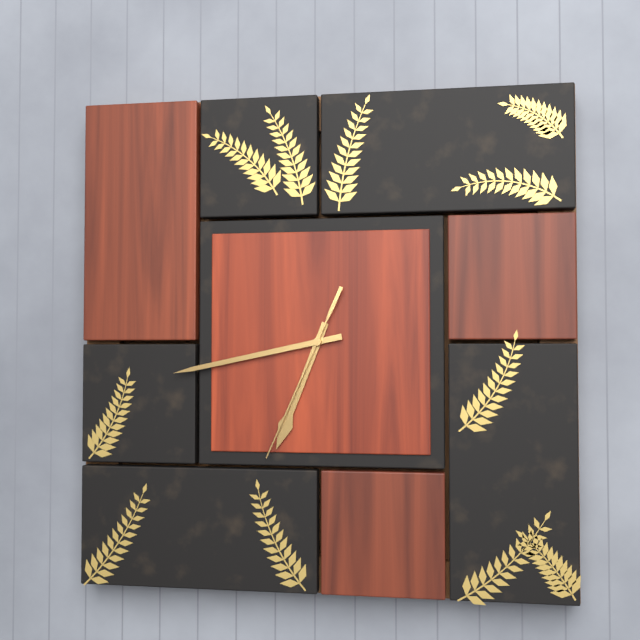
**6:43:34**
